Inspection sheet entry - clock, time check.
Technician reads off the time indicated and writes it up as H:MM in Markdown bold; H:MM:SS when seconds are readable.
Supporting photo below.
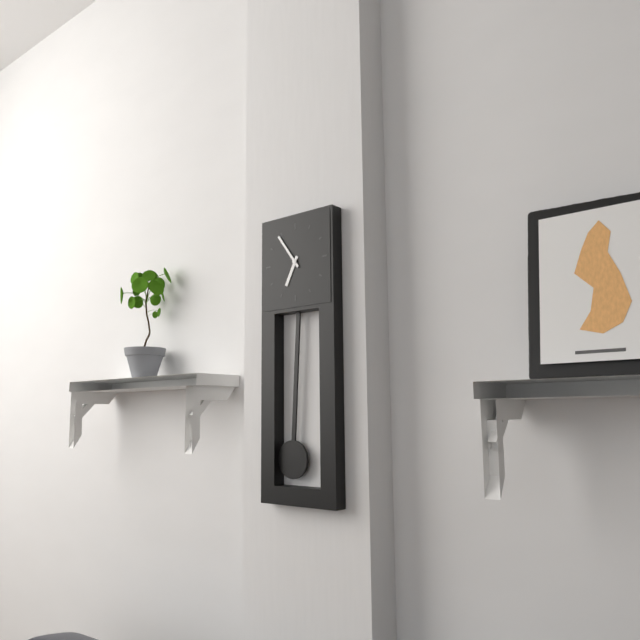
**6:54**
